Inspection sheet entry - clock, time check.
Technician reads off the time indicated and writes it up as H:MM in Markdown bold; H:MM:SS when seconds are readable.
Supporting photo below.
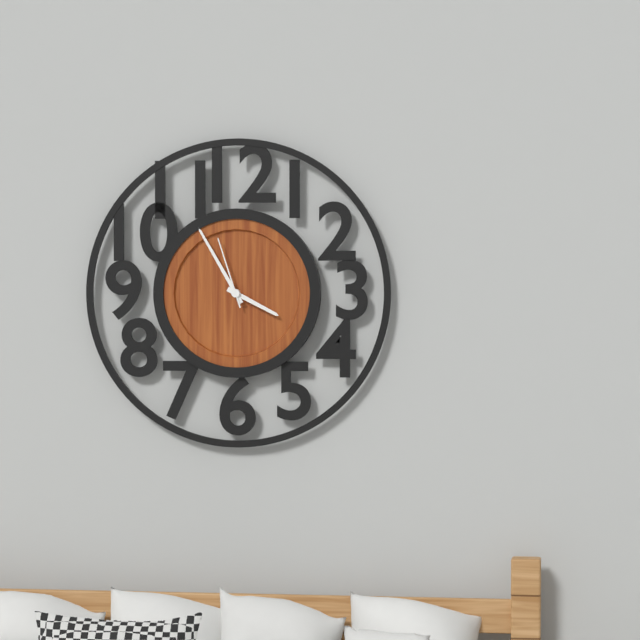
**3:55:57**
